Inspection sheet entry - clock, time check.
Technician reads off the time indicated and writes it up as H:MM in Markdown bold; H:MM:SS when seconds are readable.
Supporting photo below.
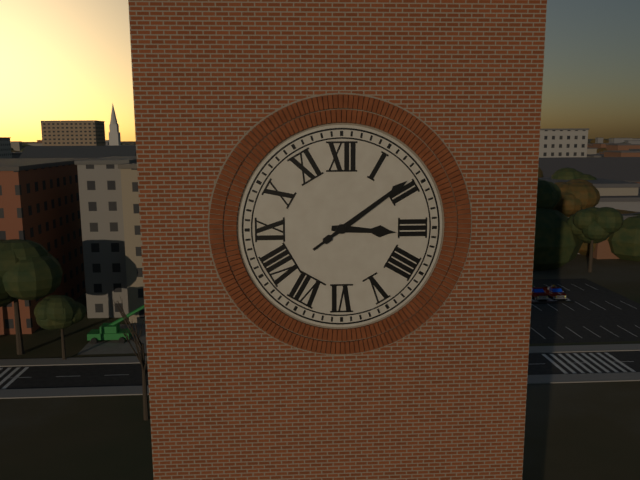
**3:09**
